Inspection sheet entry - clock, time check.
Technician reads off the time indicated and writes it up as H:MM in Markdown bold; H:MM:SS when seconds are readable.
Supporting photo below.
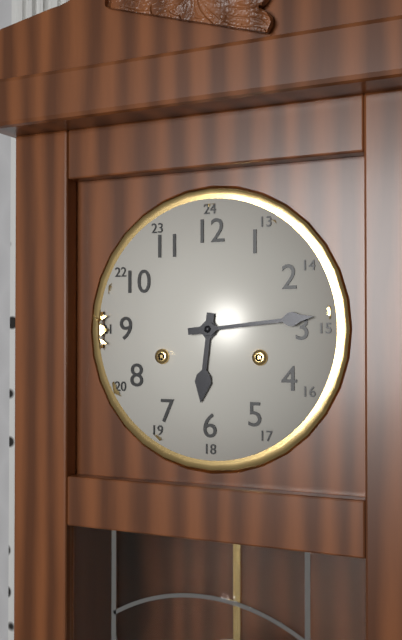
**6:14**
